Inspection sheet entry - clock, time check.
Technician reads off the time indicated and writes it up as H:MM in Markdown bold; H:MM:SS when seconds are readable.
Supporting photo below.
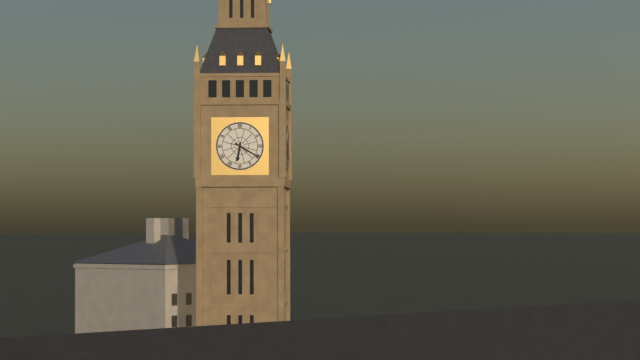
**6:20**
